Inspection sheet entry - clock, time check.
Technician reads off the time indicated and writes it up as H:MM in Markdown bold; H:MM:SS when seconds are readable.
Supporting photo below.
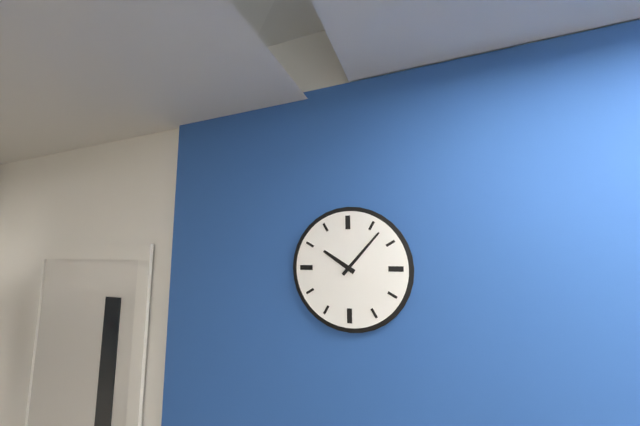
**10:07**
